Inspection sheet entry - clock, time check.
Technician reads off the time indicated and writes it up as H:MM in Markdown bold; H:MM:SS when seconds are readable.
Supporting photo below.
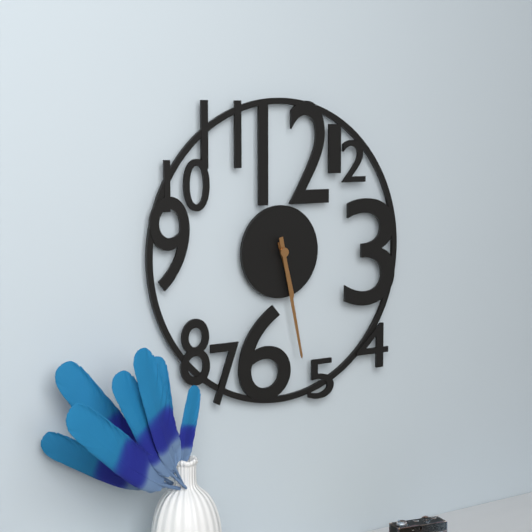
**5:28**
